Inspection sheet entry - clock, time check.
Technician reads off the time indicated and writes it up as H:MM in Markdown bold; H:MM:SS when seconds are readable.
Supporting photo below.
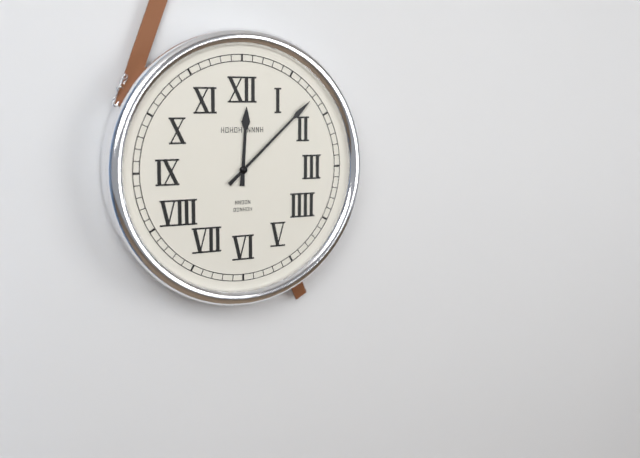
**12:08**
